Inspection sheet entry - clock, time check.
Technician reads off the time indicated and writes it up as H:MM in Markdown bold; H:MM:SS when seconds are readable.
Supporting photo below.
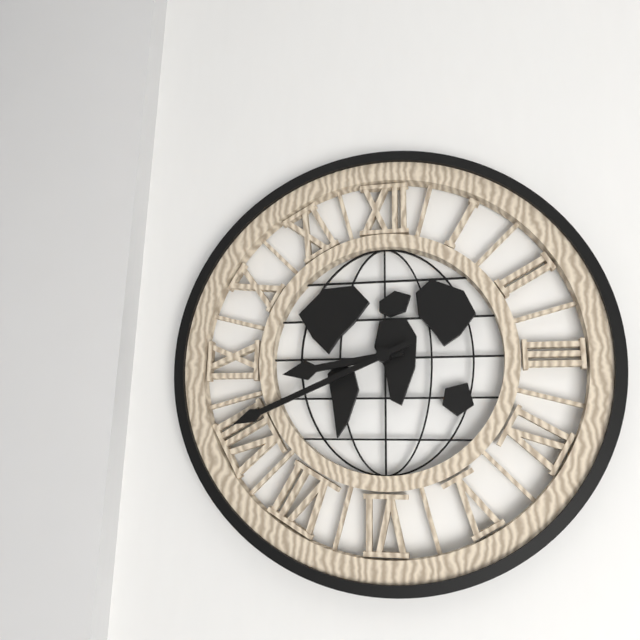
**8:41**
